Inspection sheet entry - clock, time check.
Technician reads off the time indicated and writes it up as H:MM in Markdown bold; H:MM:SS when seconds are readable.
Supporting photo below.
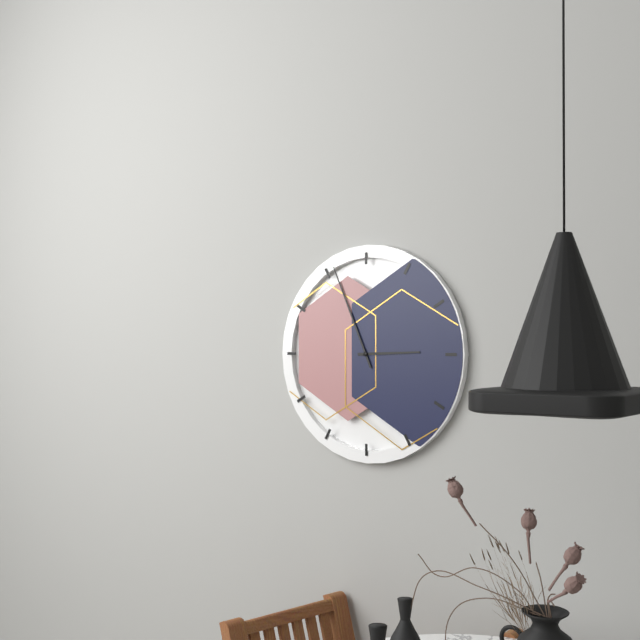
**2:56**
